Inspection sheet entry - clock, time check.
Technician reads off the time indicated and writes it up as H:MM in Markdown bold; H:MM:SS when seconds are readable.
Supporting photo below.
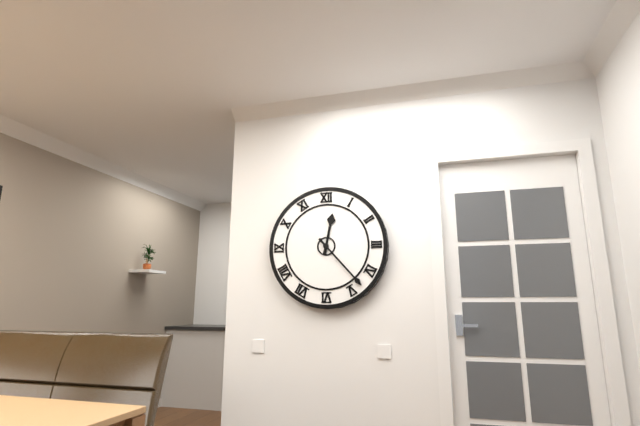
**12:23**
